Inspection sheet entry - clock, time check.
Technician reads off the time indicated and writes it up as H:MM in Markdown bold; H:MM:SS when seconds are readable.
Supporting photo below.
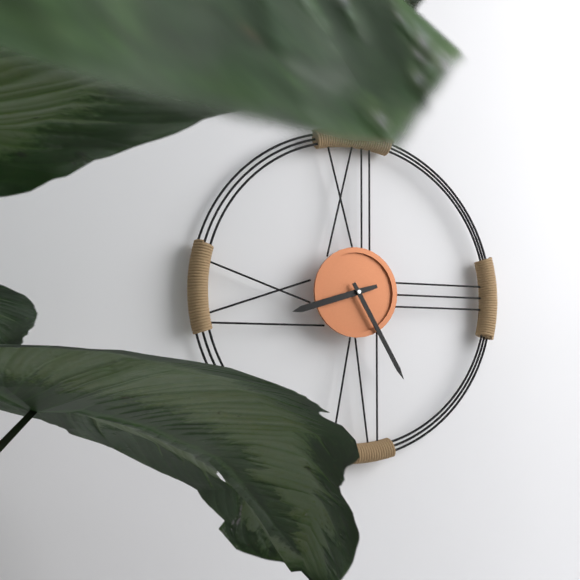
**8:25**
